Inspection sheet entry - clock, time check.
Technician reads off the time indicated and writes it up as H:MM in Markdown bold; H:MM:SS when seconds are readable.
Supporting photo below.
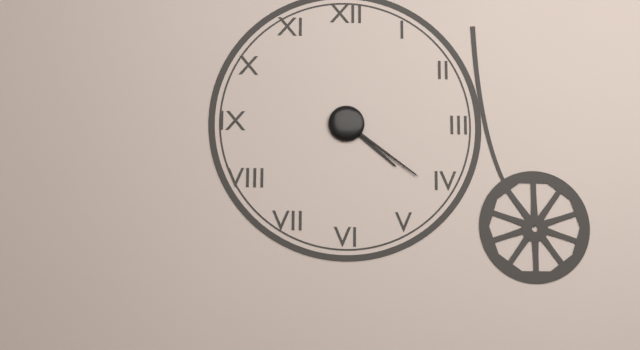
**4:21**
